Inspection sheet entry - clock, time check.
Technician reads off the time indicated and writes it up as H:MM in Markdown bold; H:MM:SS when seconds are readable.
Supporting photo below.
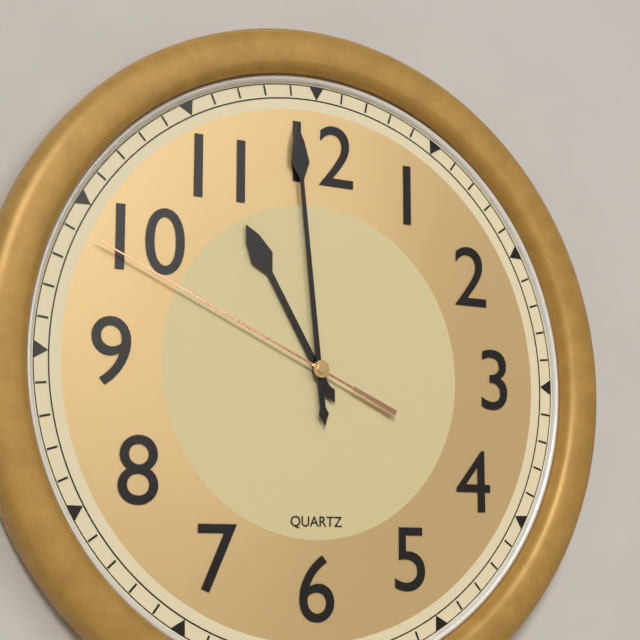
**10:59:49**
